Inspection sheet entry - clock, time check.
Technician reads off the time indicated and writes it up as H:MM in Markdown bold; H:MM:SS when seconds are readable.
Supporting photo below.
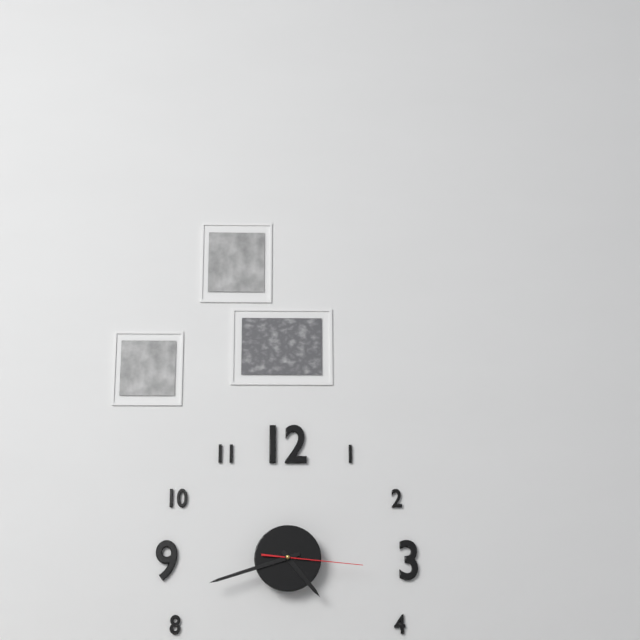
**4:42:16**
